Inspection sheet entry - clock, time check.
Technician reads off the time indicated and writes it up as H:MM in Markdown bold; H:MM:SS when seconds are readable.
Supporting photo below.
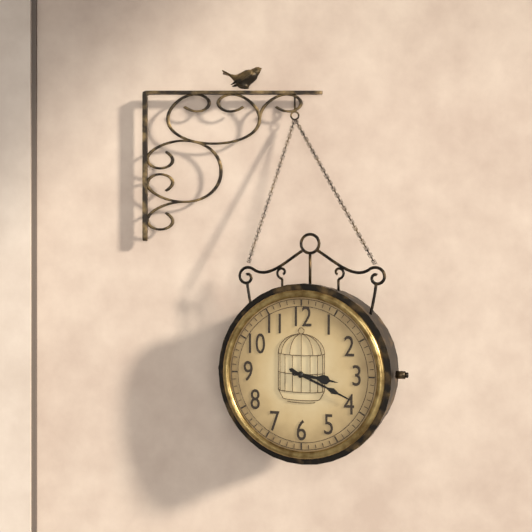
**3:19**
